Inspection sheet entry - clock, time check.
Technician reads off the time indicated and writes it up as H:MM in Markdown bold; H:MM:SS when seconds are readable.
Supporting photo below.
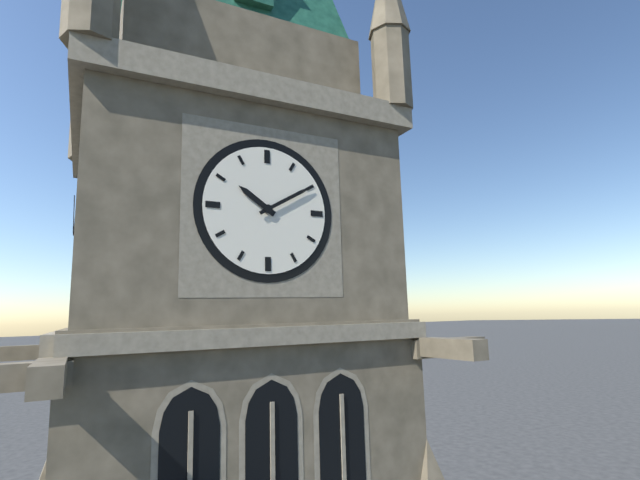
**10:10**
